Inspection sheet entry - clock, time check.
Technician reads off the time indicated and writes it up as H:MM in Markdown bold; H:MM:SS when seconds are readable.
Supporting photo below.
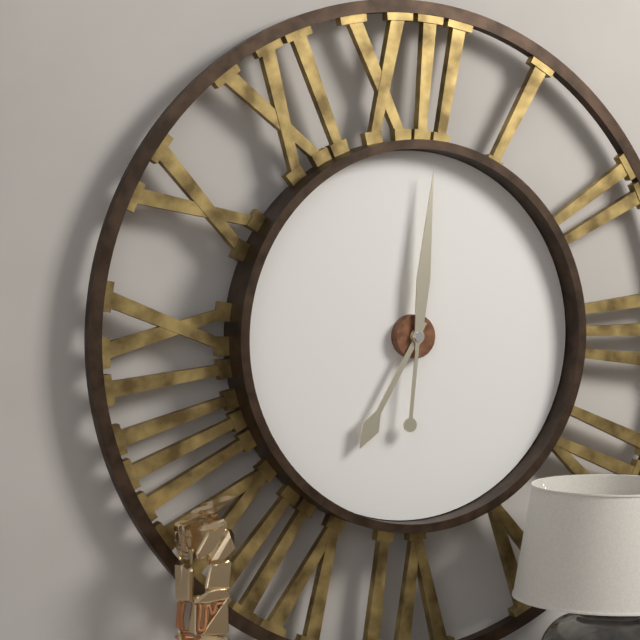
**7:01**
